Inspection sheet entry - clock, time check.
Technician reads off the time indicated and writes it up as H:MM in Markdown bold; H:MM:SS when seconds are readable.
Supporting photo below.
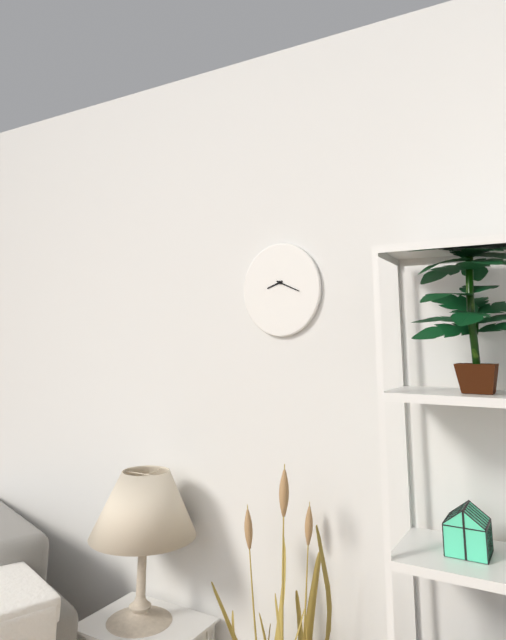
**8:19**
